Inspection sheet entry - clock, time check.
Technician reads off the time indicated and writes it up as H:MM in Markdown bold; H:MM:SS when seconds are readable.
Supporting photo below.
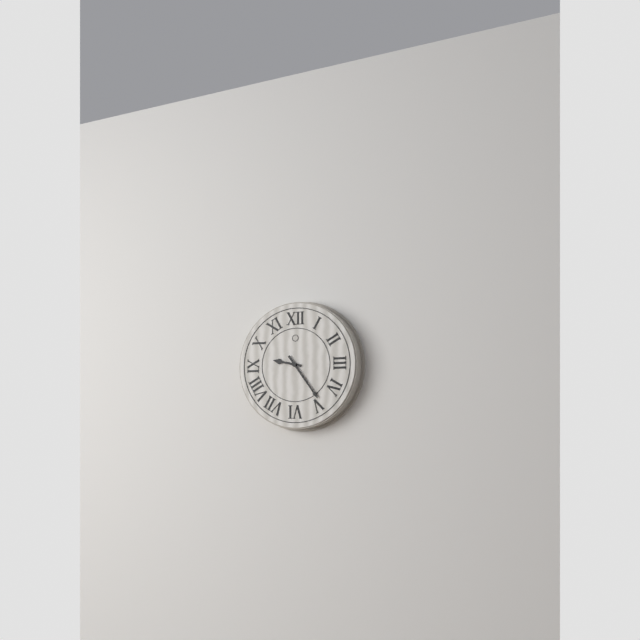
**9:24**
